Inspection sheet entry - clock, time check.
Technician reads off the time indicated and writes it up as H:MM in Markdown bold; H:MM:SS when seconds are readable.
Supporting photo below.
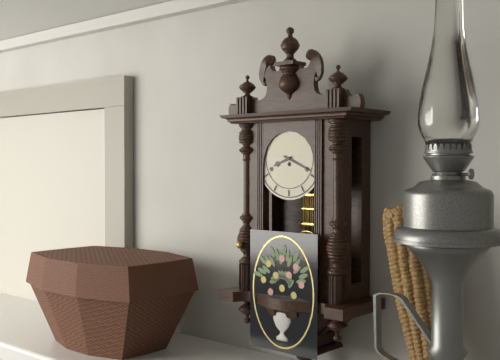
**8:19**
